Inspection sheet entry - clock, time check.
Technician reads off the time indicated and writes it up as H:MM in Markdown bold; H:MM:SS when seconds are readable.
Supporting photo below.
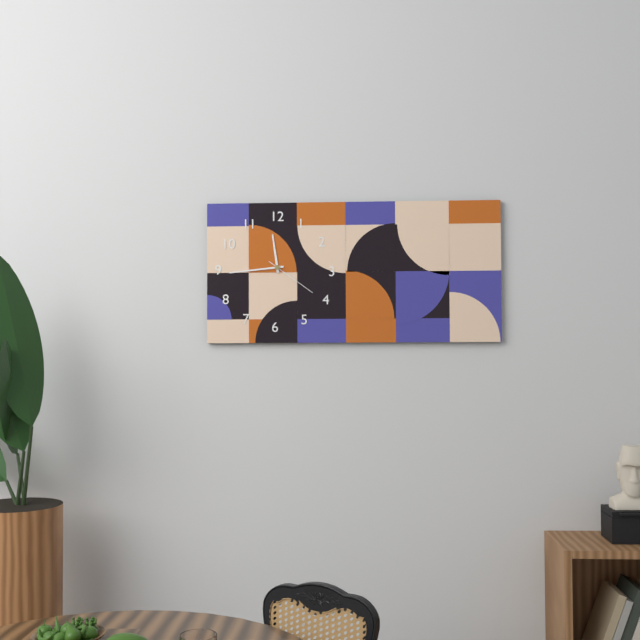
**11:44:21**
